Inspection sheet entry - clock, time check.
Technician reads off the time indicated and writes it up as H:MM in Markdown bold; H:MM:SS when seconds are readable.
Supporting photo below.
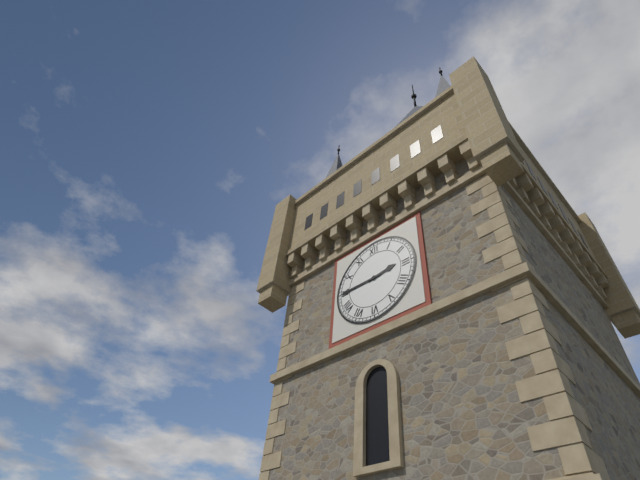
**2:45**
